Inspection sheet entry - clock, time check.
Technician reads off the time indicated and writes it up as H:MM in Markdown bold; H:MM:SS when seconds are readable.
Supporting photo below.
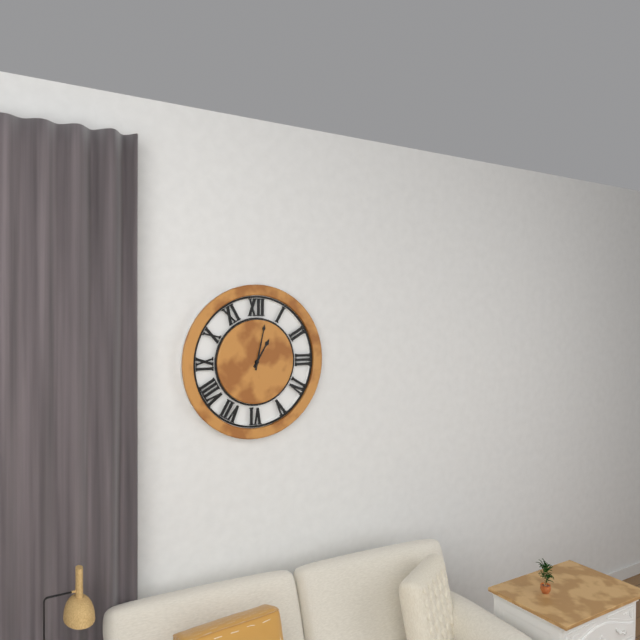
**1:02**
